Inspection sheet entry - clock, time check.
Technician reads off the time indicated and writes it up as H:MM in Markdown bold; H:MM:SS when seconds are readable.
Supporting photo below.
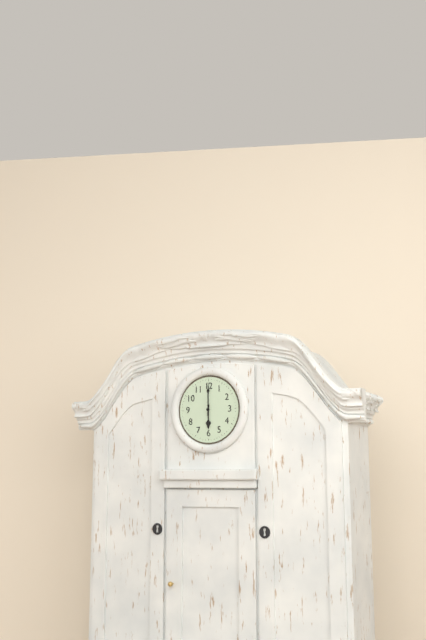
**6:00**
